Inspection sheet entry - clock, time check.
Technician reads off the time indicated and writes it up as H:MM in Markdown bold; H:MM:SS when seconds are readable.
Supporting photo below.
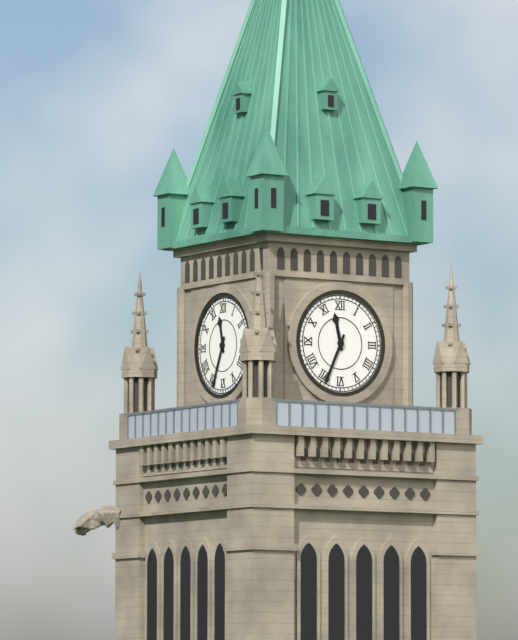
**11:34**
